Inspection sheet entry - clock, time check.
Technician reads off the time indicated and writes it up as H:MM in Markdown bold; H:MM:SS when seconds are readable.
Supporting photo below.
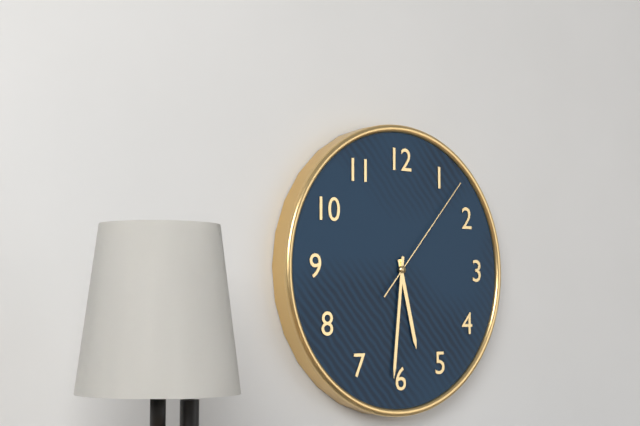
**5:31:07**
